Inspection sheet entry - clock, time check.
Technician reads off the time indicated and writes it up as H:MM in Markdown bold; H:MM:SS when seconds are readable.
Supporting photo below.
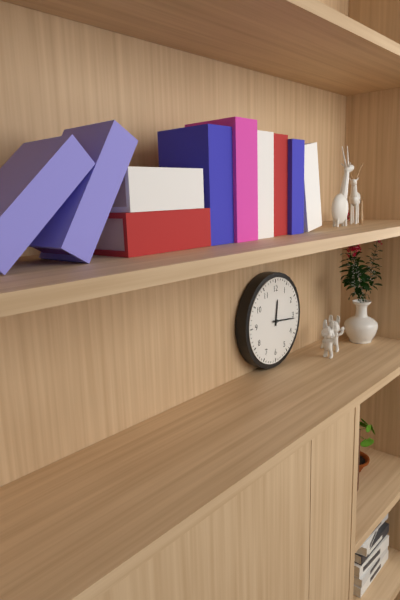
**12:16**
